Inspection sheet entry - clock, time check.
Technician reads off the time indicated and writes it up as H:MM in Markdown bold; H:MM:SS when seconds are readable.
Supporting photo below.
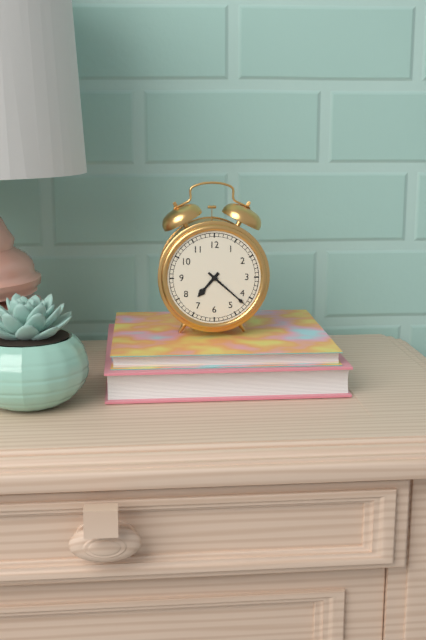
**7:22**
